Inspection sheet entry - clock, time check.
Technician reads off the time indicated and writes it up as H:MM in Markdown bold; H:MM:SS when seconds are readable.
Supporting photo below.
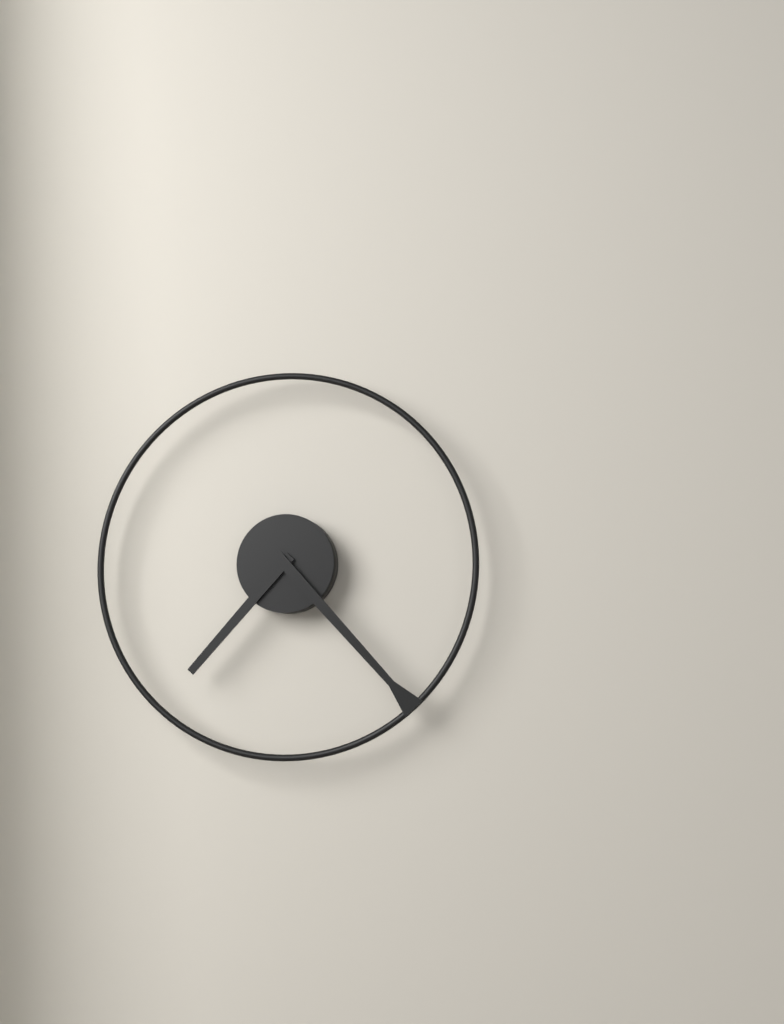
**7:23**
